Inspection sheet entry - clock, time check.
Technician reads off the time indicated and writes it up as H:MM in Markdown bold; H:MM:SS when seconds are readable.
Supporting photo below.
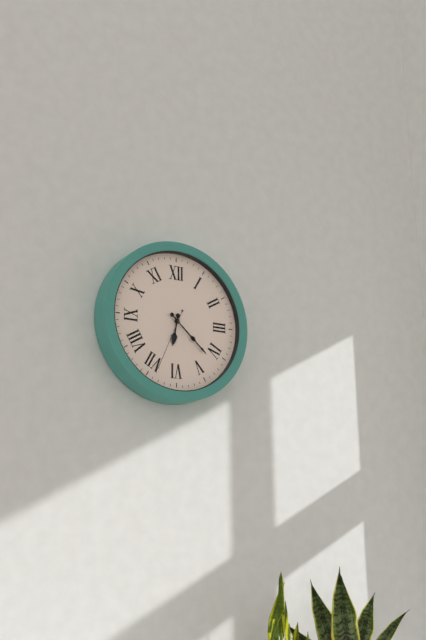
**6:22:34**
